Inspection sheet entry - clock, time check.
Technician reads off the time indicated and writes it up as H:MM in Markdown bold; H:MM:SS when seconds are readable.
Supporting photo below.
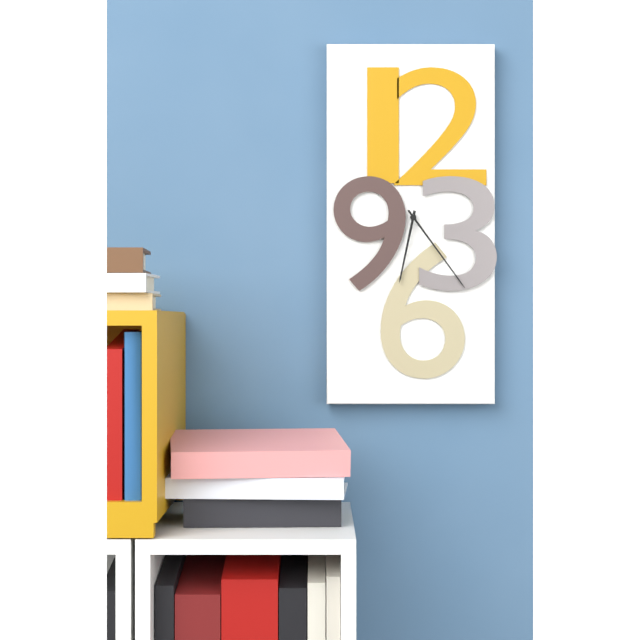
**6:24**
